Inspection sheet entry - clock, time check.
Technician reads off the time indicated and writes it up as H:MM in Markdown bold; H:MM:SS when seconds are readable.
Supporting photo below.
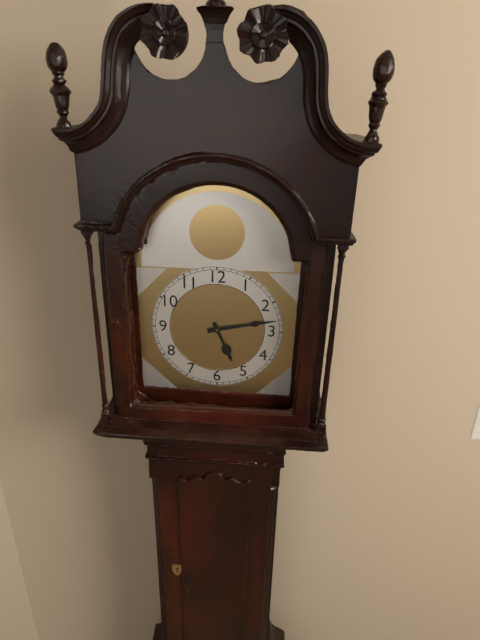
**5:13**
